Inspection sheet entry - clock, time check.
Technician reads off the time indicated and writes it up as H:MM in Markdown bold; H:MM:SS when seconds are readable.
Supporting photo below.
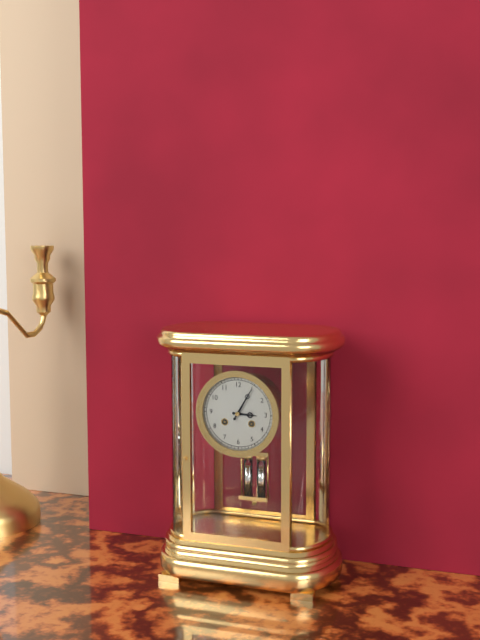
**3:05**
